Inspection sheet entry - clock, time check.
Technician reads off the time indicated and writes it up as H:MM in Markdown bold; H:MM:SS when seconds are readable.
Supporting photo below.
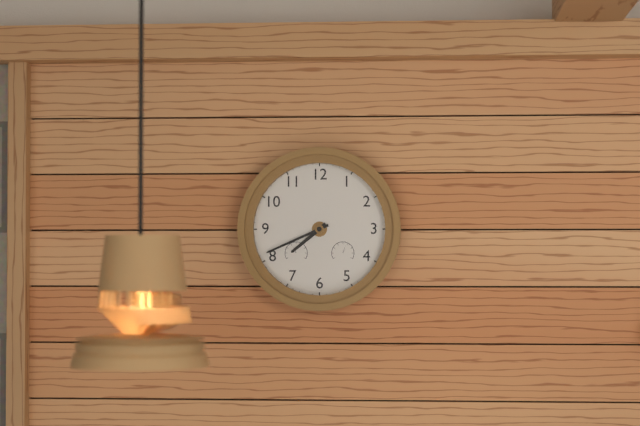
**7:41**
